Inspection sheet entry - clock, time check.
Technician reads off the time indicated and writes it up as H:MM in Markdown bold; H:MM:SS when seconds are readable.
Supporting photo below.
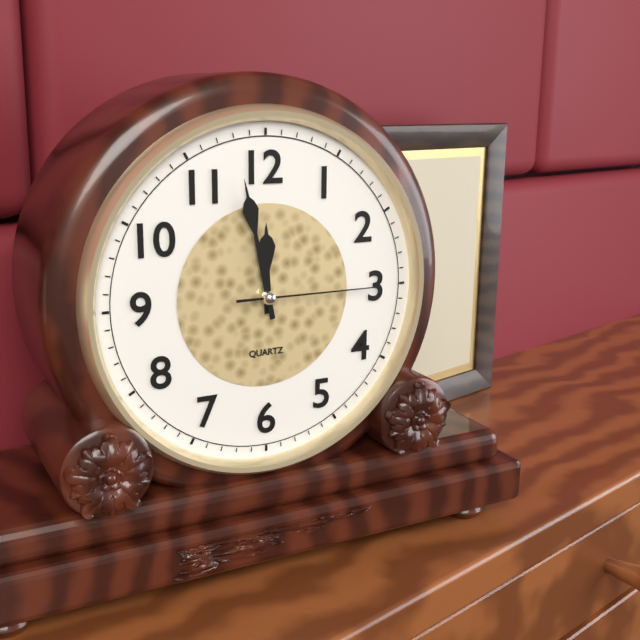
**11:58:15**
